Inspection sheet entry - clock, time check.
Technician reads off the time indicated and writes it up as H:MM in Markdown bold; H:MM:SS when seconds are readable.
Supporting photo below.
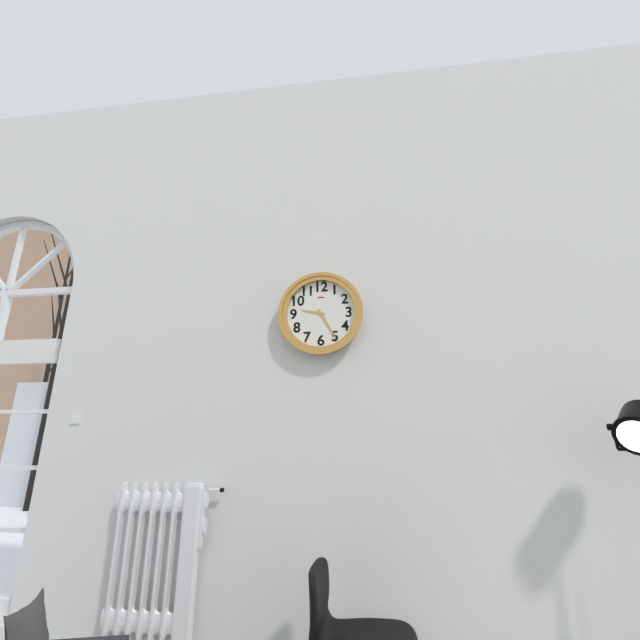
**9:25**
